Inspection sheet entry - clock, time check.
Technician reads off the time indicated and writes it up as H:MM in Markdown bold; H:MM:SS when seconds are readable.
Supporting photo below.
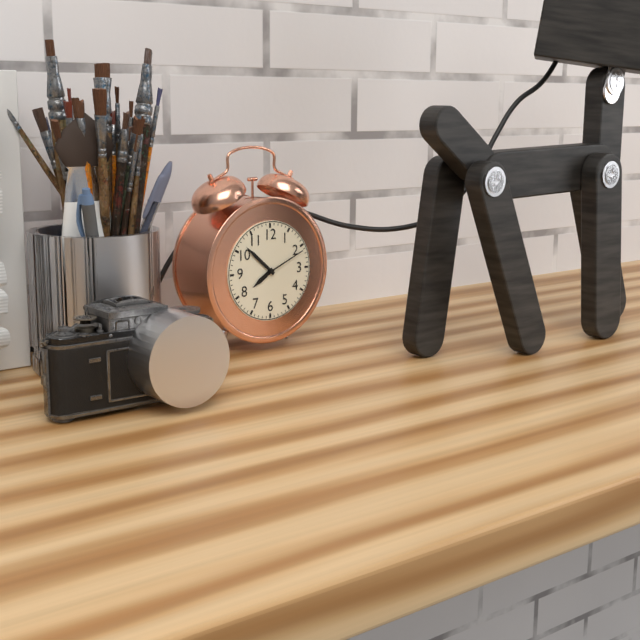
**7:52**
